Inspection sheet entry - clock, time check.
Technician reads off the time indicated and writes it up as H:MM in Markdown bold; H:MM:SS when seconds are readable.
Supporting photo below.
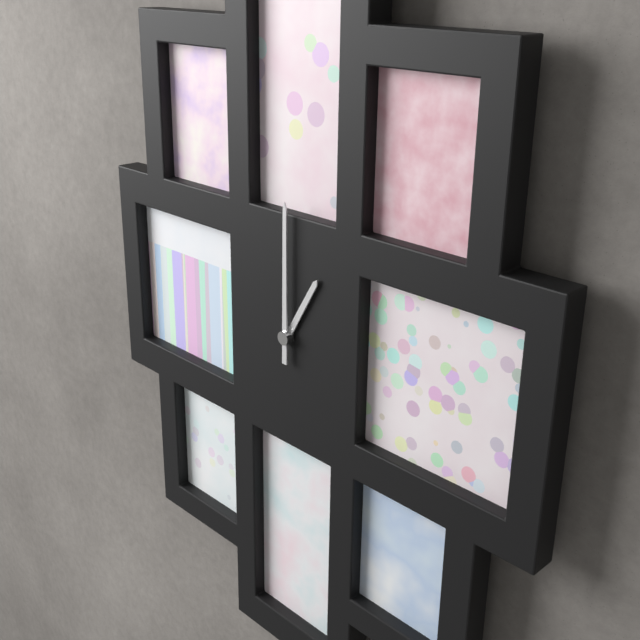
**1:00**
